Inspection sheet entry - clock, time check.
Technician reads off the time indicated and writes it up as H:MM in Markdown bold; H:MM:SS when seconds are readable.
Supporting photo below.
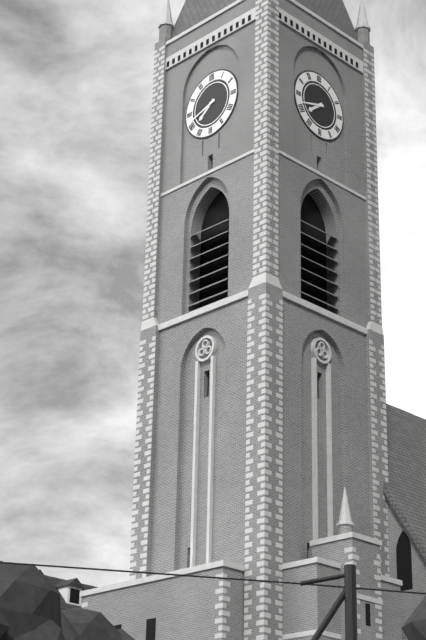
**7:42**
